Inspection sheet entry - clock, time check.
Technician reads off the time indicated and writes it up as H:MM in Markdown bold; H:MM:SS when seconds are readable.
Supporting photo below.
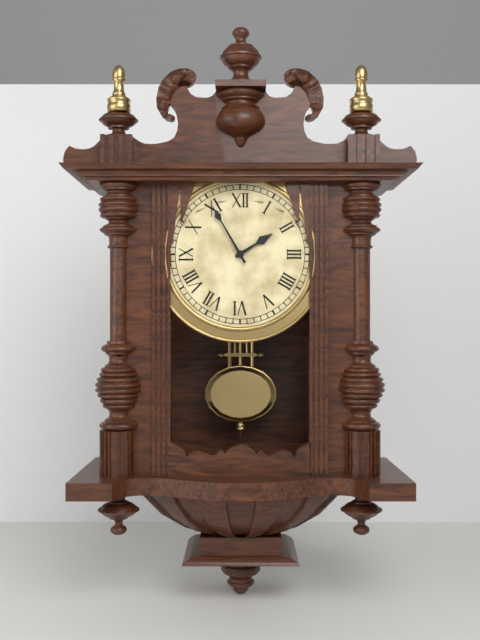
**1:55**
